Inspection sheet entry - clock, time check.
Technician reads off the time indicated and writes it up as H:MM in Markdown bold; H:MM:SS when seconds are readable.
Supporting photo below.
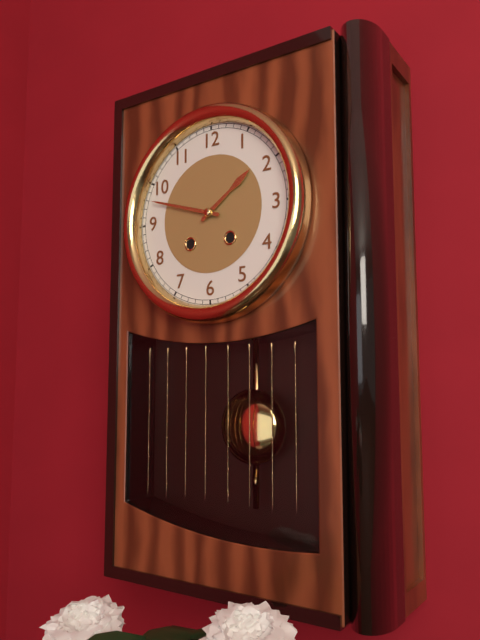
**1:48**
